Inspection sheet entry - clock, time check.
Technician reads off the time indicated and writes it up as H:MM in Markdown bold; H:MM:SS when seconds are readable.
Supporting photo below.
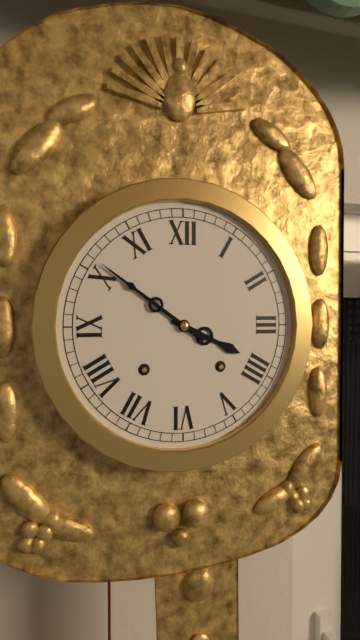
**3:51**
